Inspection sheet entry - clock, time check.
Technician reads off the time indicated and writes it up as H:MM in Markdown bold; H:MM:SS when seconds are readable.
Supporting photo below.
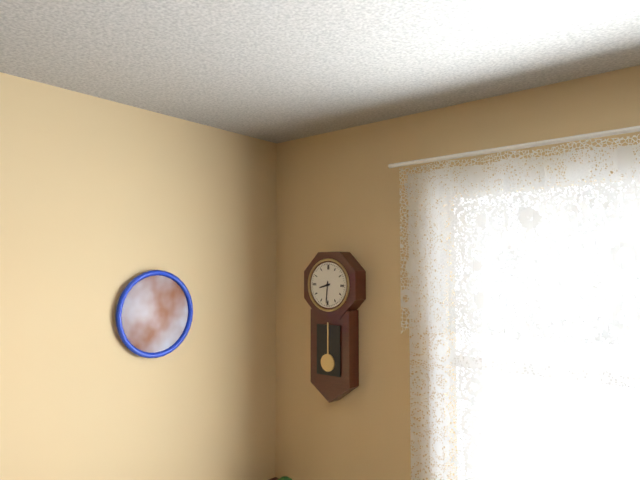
**8:31**
